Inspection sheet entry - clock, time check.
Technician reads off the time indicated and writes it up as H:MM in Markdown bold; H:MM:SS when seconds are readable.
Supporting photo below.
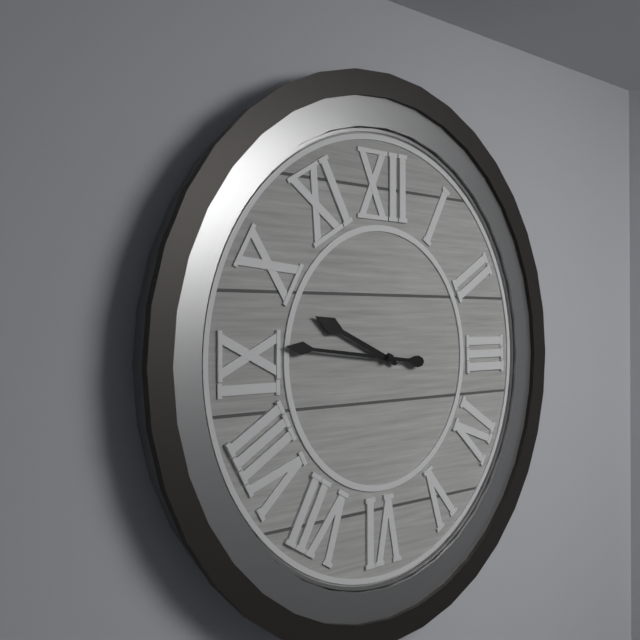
**9:46**
